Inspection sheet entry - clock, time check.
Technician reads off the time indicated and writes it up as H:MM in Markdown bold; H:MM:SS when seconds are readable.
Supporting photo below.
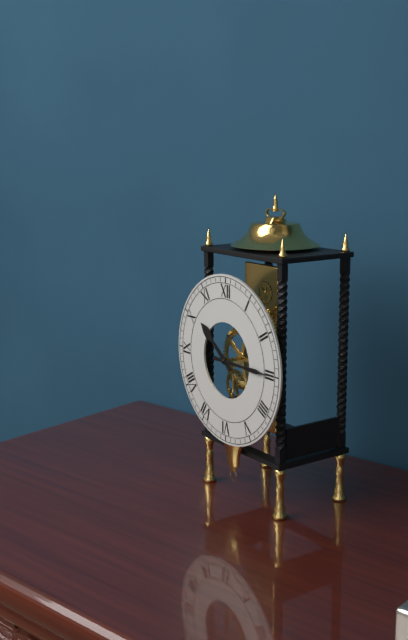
**10:15**
